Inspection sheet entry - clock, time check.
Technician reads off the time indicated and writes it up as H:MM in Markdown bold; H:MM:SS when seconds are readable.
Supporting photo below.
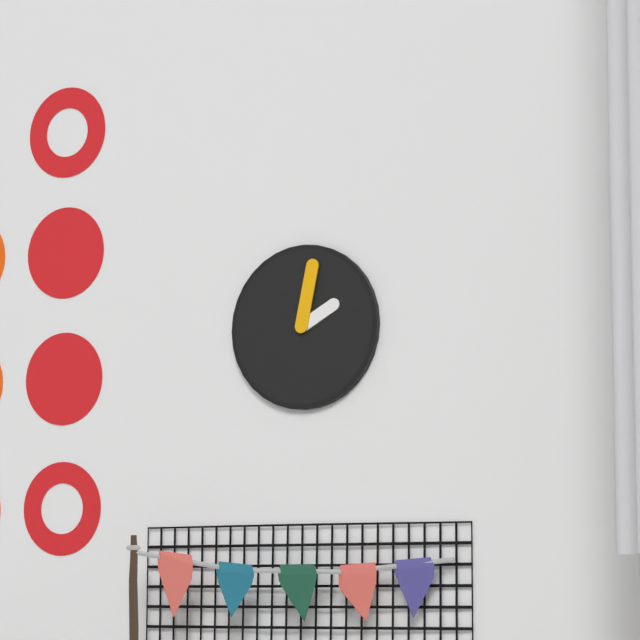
**2:02**
